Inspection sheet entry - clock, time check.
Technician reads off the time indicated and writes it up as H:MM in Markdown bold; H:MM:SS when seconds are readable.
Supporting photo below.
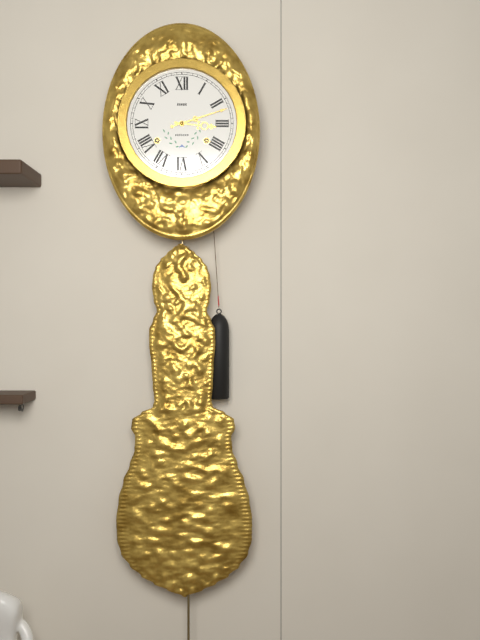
**3:12**
